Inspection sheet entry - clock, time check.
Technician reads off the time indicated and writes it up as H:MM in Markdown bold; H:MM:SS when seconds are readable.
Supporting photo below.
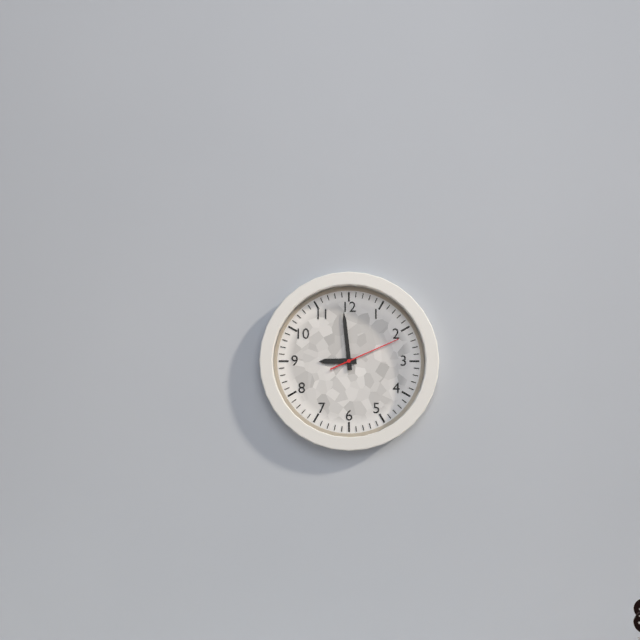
**8:59:11**
